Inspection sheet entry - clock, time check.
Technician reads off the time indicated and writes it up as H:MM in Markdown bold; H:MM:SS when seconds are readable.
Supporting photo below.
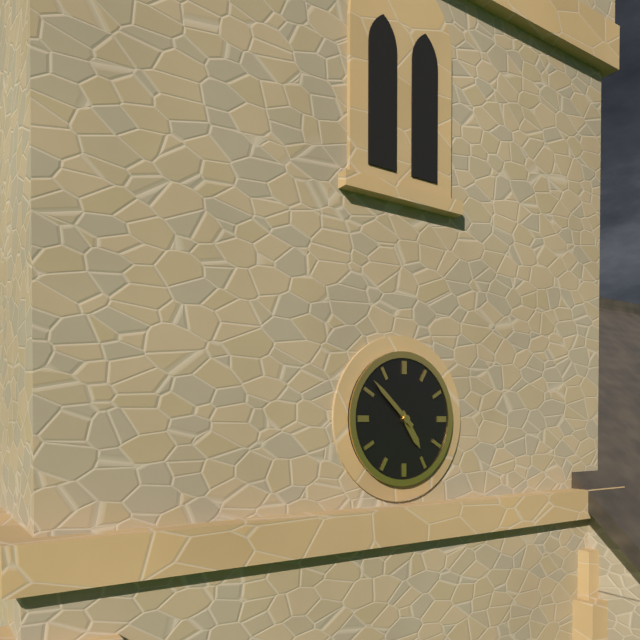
**4:52**
